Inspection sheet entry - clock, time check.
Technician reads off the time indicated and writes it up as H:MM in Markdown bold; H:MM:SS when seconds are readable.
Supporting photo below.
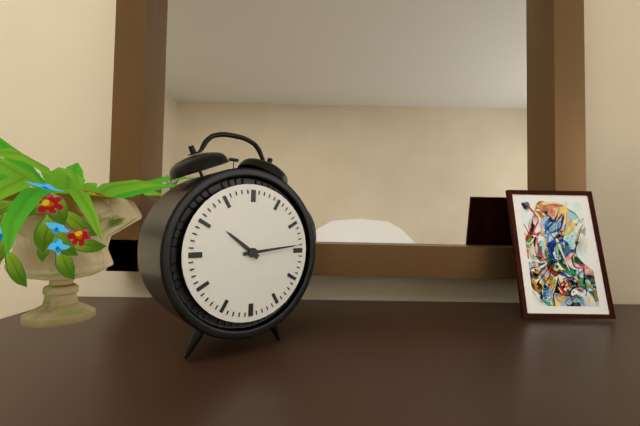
**10:14**
